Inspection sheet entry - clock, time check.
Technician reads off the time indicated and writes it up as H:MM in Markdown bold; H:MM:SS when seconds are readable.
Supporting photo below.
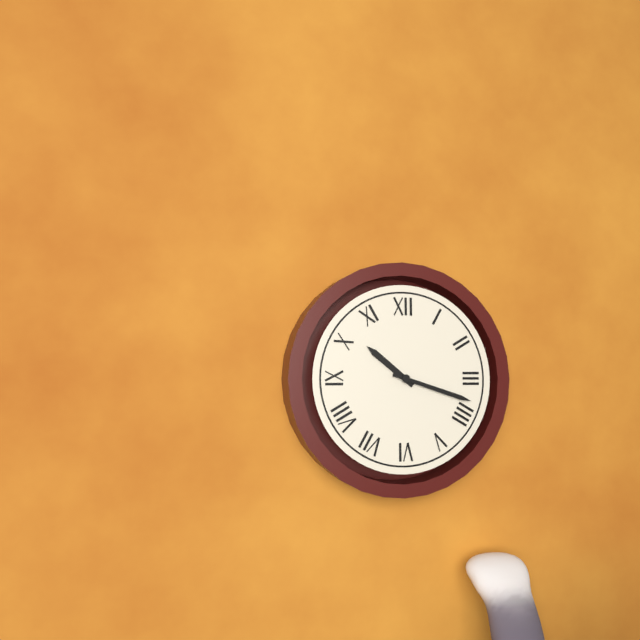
**10:18**
